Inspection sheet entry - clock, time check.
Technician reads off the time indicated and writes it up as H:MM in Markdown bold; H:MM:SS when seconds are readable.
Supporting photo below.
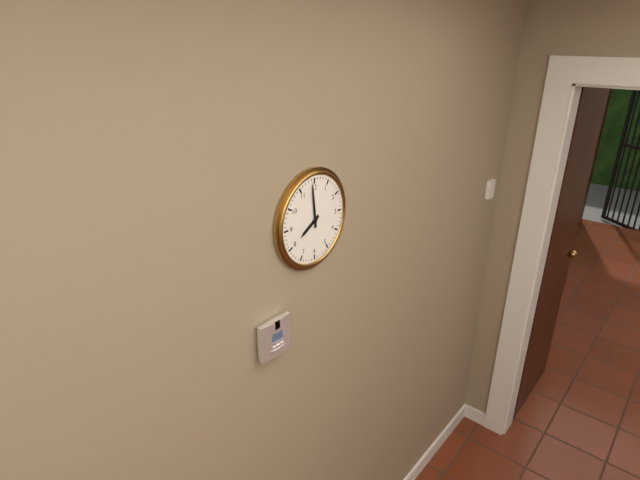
**7:59**
